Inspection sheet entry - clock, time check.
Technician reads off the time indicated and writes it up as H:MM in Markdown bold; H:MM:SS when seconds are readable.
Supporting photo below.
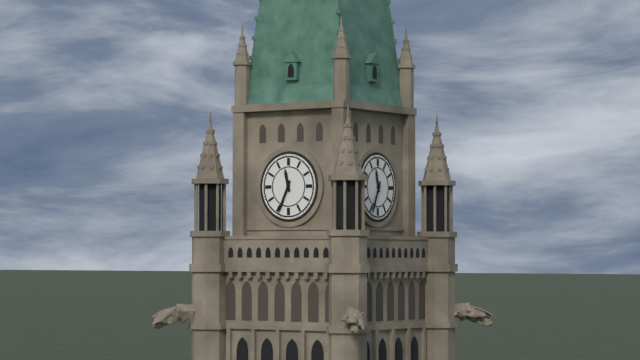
**11:34**
